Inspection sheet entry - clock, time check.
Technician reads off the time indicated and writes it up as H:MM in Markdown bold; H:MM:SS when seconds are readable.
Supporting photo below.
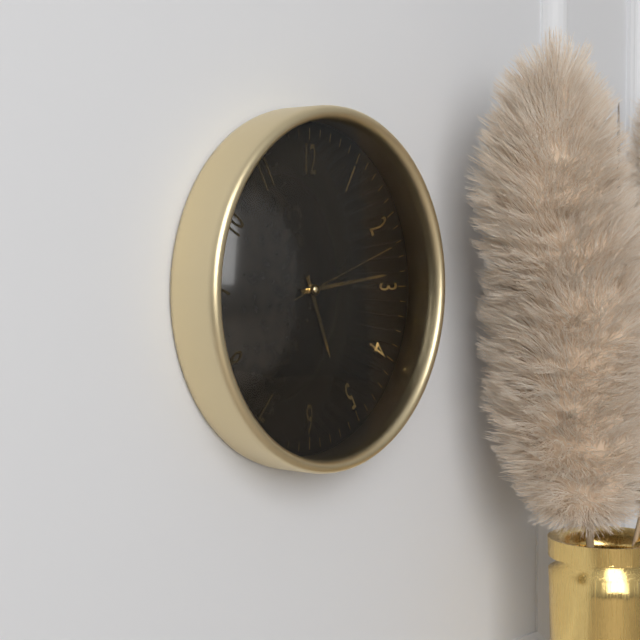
**5:14:12**
